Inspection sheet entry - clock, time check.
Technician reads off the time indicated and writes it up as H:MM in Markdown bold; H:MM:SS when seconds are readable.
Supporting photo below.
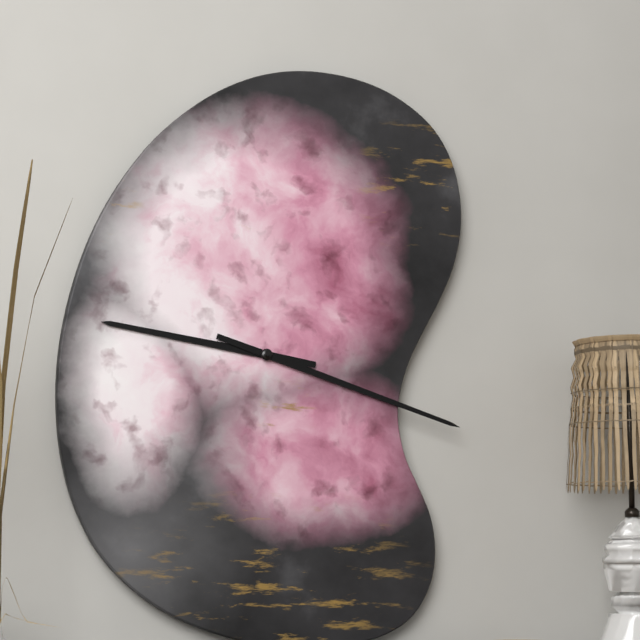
**9:18**
